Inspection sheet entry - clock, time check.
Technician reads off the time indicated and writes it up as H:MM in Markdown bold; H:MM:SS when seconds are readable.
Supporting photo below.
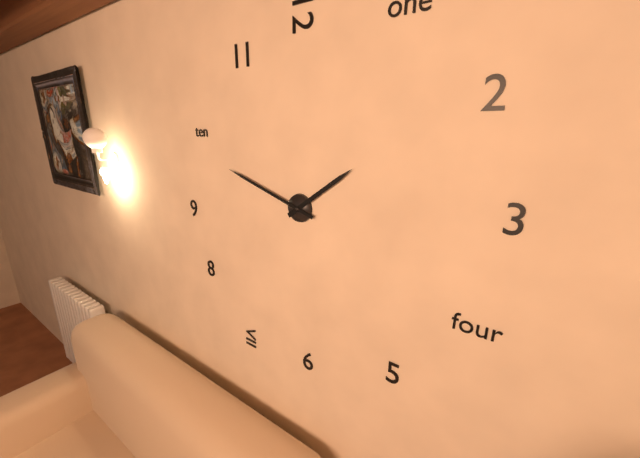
**1:48**
